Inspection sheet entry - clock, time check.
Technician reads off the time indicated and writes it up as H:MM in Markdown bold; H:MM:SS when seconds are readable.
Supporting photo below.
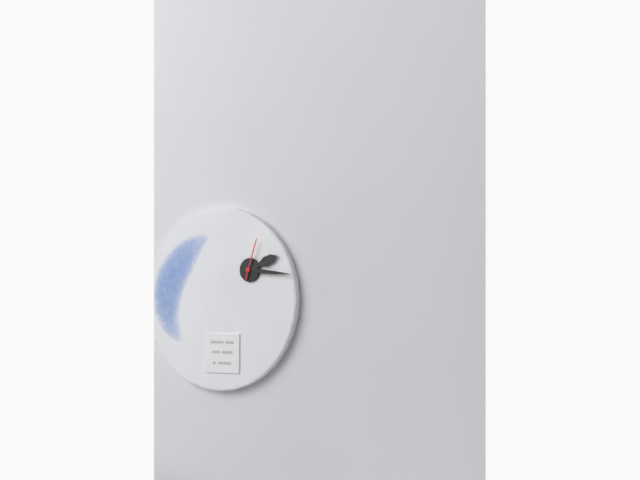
**2:16**
